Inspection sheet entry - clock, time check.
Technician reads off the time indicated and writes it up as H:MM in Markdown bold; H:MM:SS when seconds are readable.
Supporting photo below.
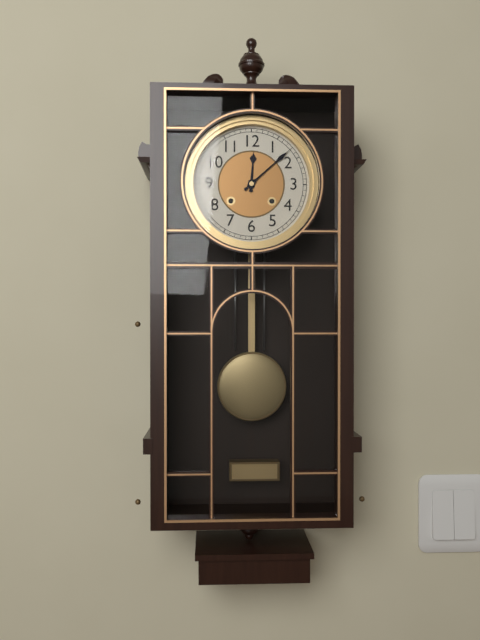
**12:08**
